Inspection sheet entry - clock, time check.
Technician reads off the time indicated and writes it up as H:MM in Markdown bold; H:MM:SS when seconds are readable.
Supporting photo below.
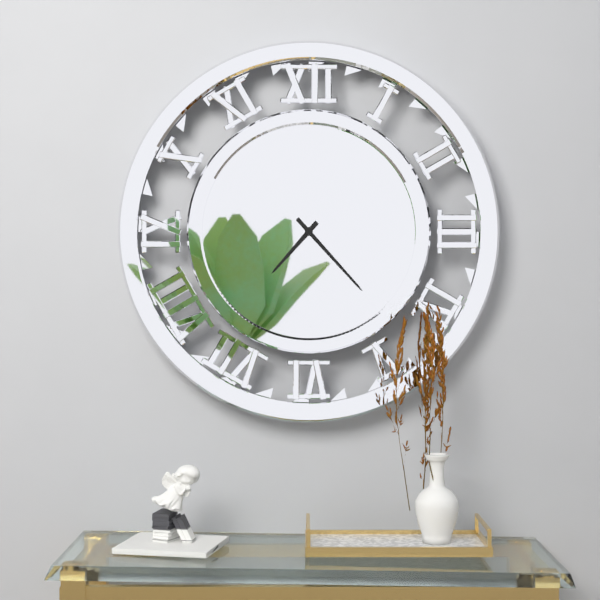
**7:23**
